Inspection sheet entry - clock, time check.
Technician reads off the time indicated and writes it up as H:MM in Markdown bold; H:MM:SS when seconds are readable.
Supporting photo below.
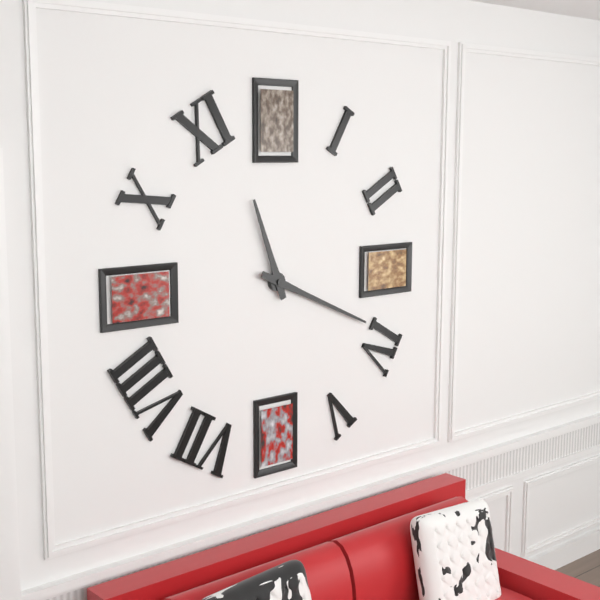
**11:19**
